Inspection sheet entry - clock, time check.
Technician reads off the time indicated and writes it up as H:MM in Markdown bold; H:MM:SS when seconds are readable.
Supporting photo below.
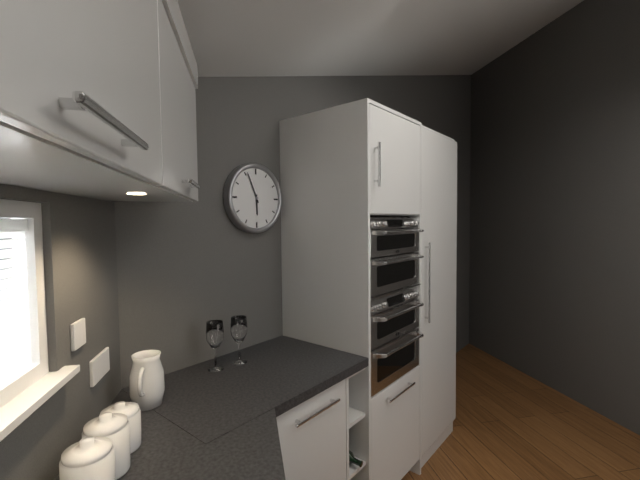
**5:56**
